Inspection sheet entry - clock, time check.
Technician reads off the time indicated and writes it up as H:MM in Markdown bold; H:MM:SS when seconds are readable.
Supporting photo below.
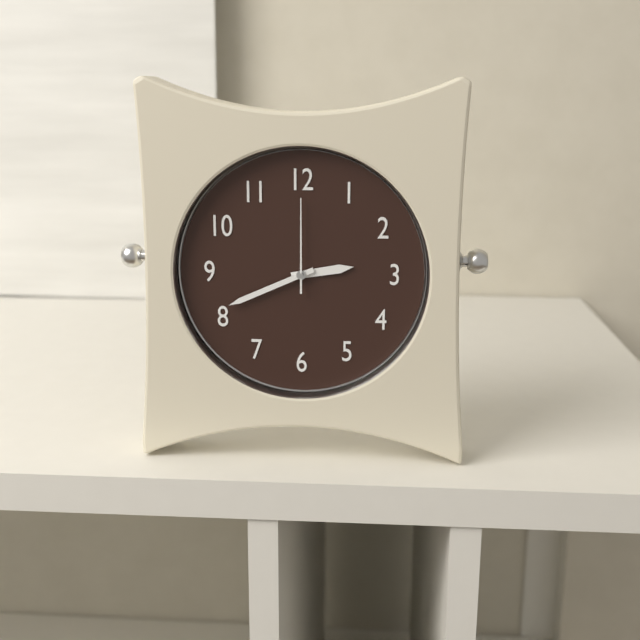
**2:41:00**
